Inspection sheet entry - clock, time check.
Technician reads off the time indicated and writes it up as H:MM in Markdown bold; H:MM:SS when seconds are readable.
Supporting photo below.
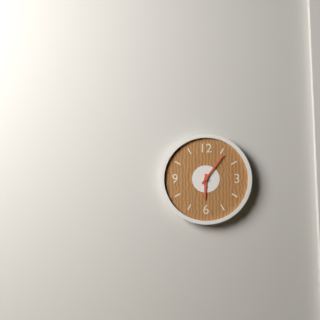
**6:06**
